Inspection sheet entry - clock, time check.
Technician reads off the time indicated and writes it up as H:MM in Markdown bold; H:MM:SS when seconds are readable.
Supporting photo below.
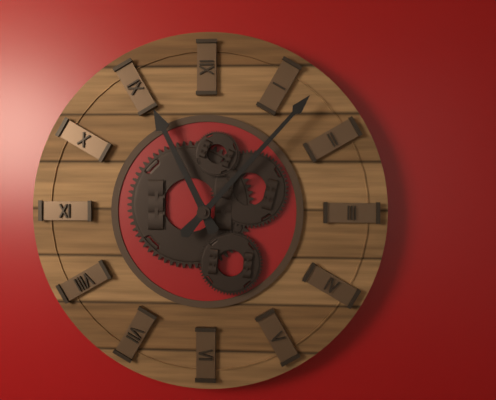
**11:07**
